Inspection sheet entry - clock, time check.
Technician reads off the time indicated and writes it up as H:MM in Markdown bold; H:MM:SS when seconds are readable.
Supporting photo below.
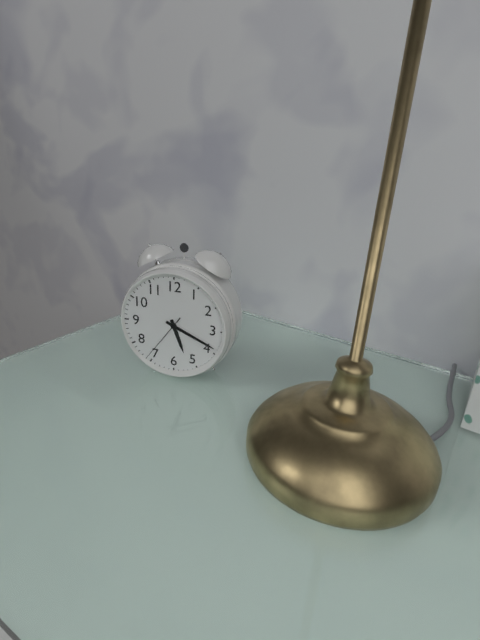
**5:19:36**
